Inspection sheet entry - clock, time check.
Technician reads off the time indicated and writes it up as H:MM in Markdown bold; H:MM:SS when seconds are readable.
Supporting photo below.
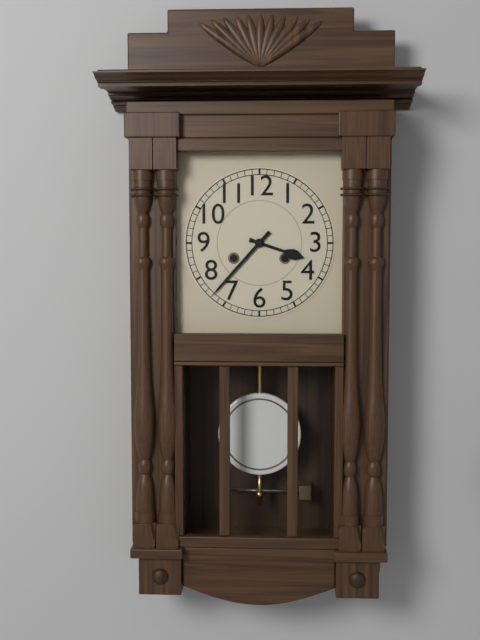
**3:37**
